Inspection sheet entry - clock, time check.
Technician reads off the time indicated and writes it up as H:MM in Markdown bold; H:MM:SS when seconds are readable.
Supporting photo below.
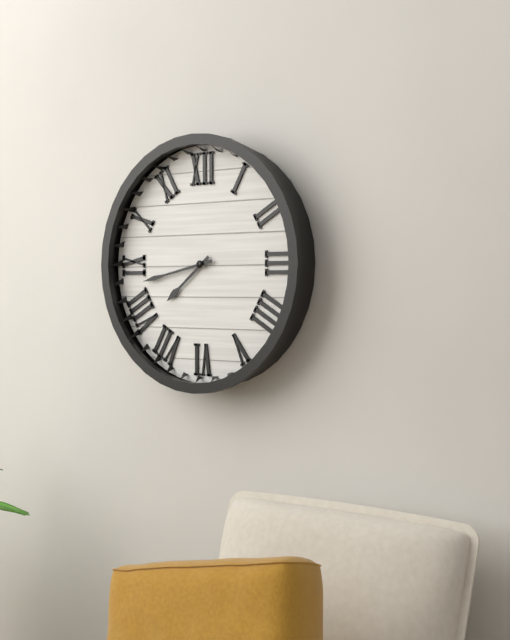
**7:43**
